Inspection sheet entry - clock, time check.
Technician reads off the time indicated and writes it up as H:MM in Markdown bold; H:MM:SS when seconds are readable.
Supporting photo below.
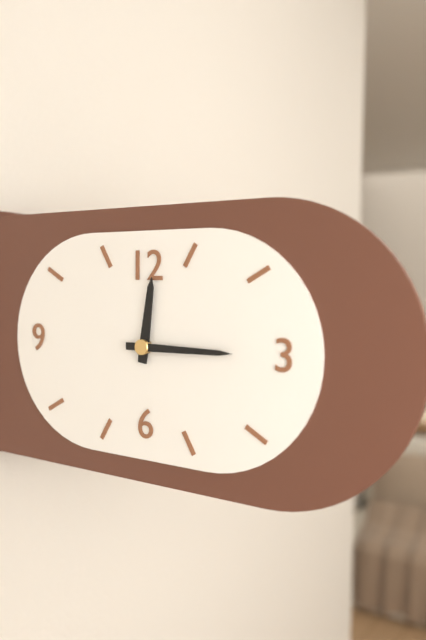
**12:15**
